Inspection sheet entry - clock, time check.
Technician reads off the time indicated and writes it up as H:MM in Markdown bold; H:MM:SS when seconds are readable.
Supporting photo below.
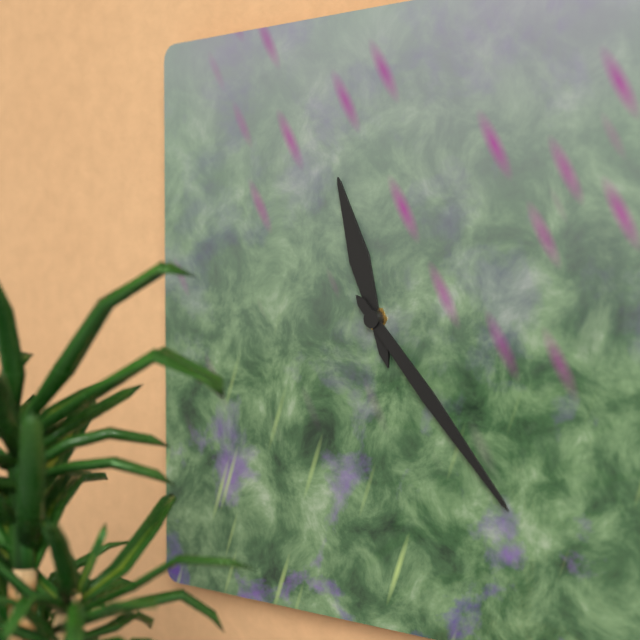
**11:23**
